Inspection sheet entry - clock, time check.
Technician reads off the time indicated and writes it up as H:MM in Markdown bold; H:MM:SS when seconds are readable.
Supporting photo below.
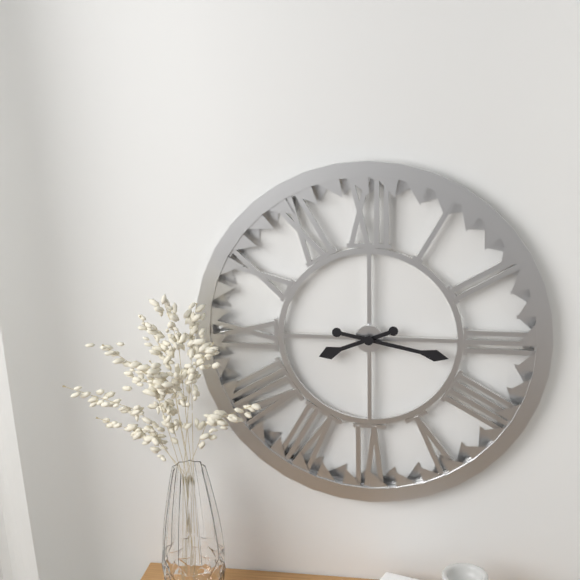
**8:17**
